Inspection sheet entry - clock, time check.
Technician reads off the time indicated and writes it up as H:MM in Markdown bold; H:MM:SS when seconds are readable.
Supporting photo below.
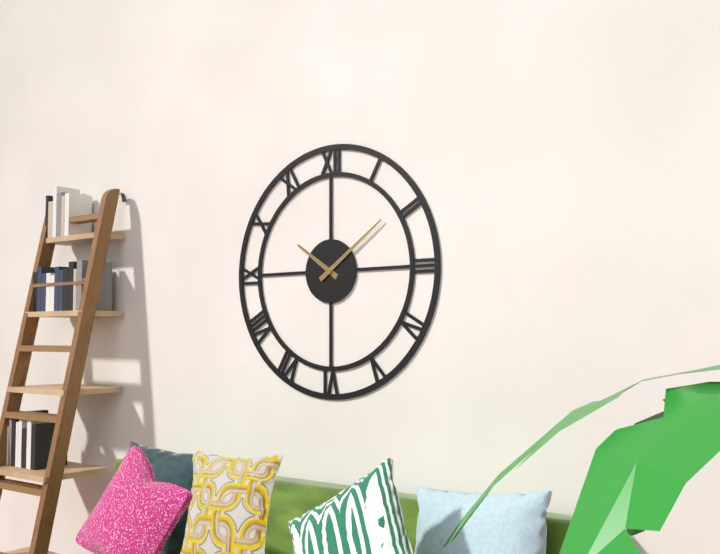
**10:09**
